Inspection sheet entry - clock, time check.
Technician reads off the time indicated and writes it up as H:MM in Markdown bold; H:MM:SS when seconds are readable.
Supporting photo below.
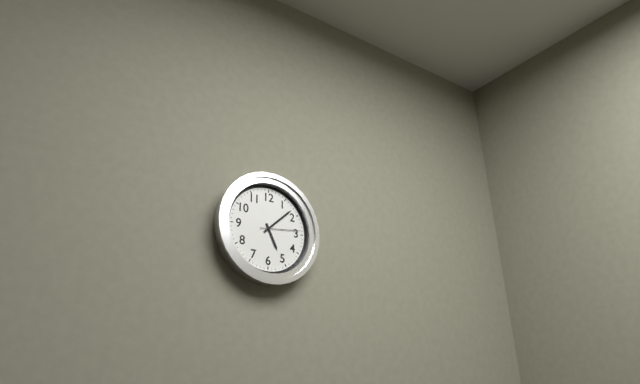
**5:08**
